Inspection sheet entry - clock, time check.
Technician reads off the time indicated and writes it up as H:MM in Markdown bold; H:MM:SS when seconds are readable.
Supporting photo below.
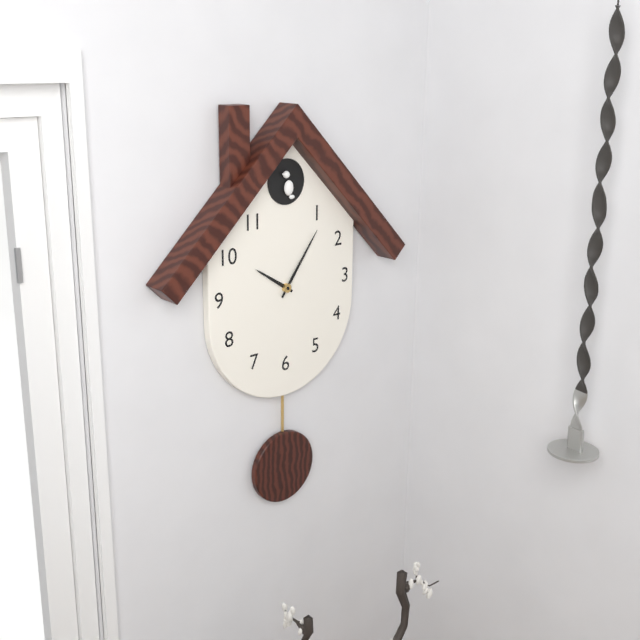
**10:06**
